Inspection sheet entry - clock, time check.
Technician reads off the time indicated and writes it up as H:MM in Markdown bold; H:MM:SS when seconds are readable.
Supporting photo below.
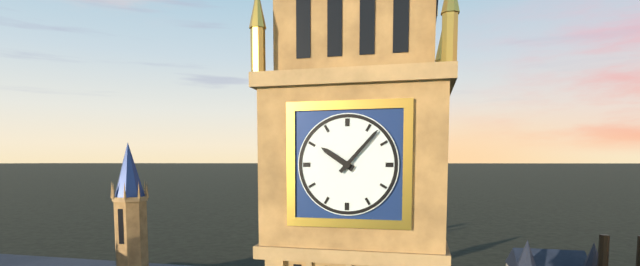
**10:07**
